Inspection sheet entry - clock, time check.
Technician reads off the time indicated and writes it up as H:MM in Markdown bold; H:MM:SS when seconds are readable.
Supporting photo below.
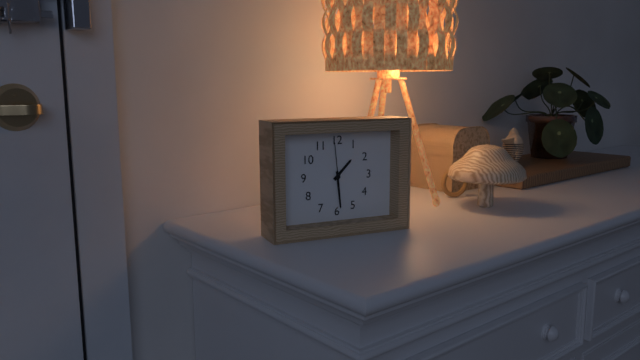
**1:29**
